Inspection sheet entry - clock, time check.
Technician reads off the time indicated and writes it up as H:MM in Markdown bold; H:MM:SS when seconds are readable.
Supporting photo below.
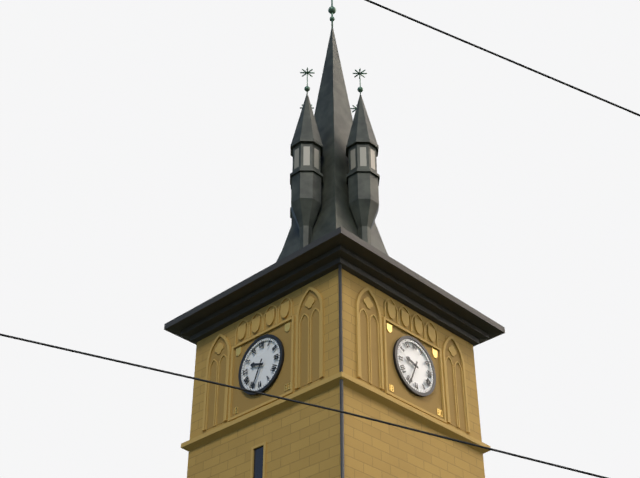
**9:34**
